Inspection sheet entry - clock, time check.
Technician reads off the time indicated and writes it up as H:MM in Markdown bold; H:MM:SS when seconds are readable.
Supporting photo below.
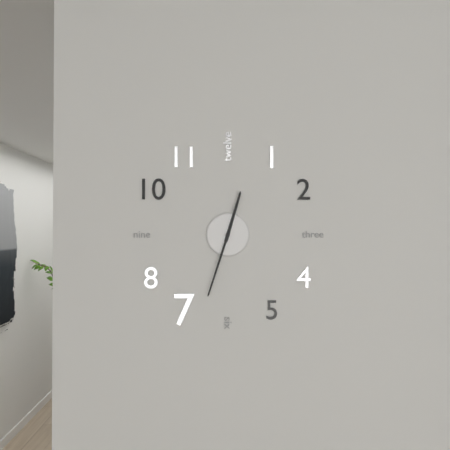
**12:33**
